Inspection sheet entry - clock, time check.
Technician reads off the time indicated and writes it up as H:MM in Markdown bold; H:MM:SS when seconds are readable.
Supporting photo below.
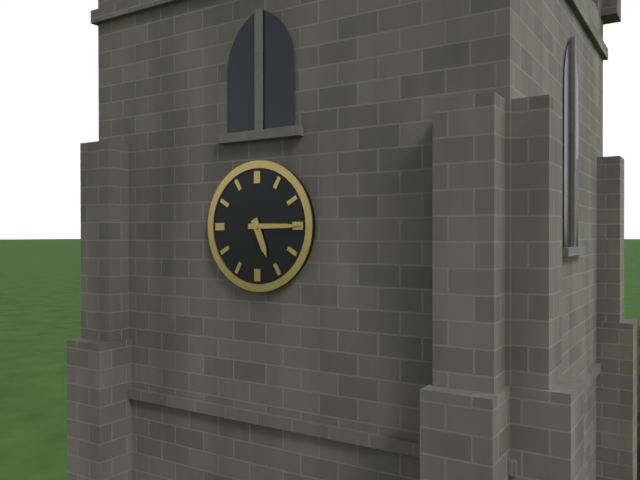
**5:15**
